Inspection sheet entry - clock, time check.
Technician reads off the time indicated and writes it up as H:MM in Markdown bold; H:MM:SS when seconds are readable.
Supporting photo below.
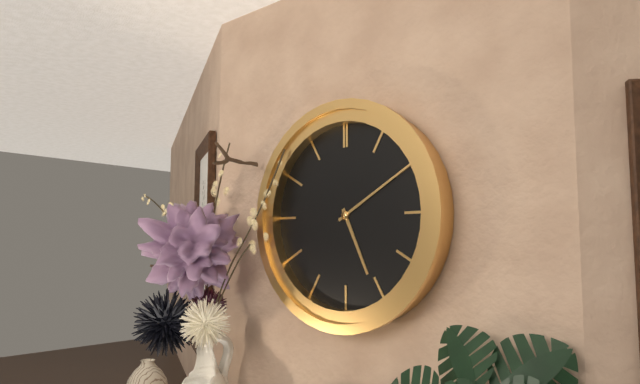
**5:10**
